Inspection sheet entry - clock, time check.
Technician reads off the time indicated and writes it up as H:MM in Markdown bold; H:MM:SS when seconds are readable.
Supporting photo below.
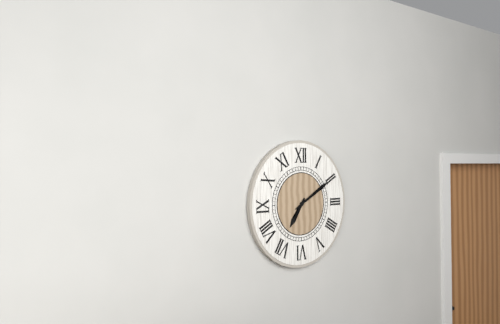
**7:10**
